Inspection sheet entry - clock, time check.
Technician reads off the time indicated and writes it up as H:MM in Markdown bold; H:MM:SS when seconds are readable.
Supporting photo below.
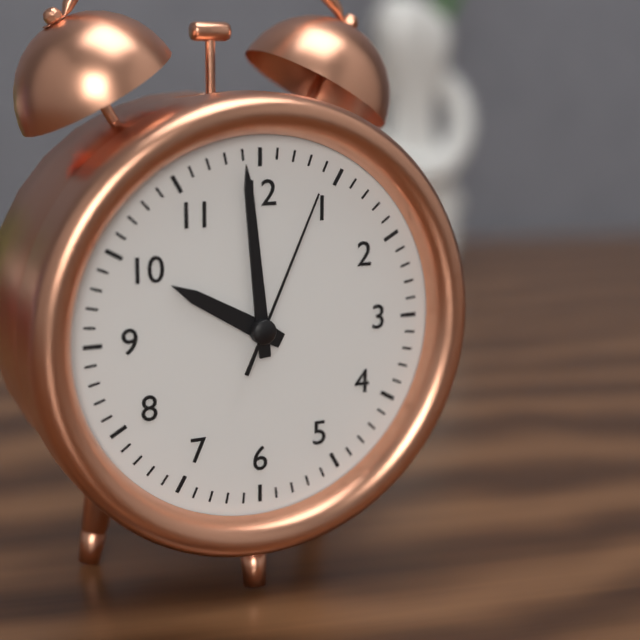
**9:59:04**
